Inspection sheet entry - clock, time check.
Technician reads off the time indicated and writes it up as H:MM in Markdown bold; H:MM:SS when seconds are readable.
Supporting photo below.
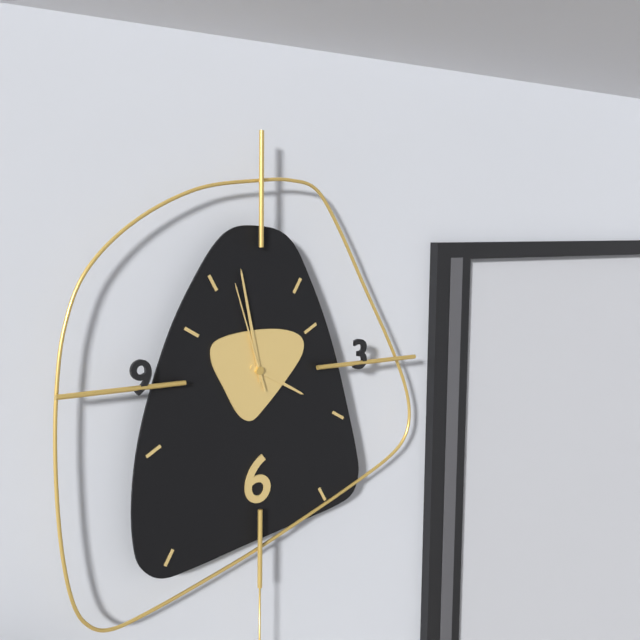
**3:58:57**
